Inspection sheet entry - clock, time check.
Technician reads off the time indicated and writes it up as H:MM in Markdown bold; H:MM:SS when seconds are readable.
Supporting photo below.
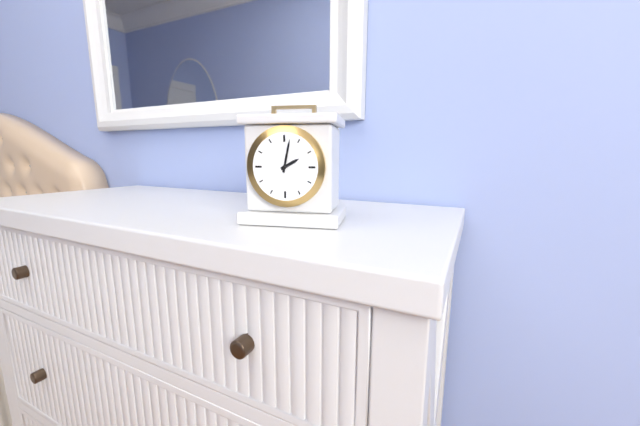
**2:02**
